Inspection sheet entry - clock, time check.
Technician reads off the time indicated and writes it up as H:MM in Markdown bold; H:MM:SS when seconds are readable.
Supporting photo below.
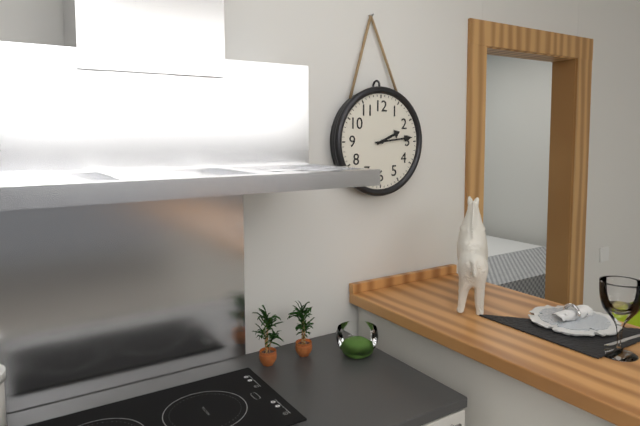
**2:14**
